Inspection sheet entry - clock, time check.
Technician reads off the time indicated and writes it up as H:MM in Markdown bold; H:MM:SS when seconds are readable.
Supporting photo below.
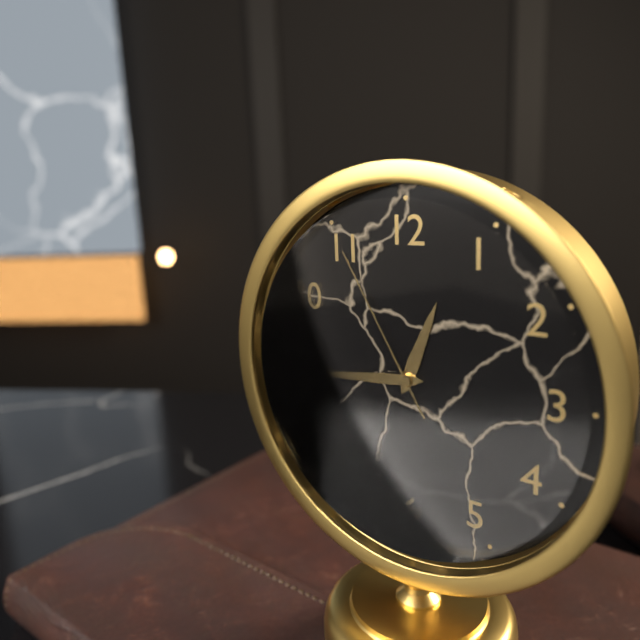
**12:44:55**
